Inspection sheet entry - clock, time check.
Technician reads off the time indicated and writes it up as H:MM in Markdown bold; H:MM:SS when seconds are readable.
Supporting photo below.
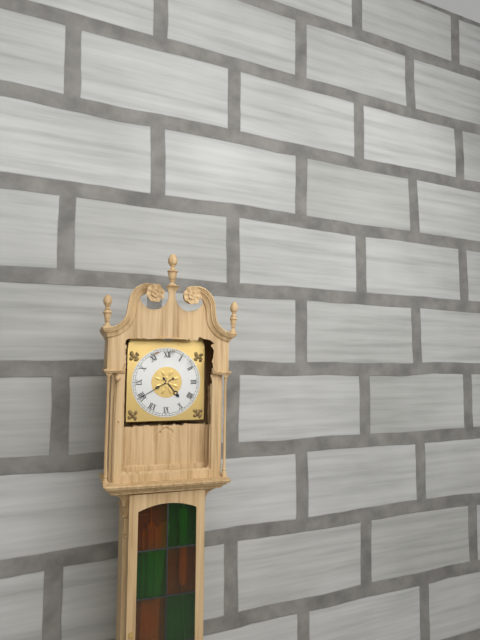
**4:40**
